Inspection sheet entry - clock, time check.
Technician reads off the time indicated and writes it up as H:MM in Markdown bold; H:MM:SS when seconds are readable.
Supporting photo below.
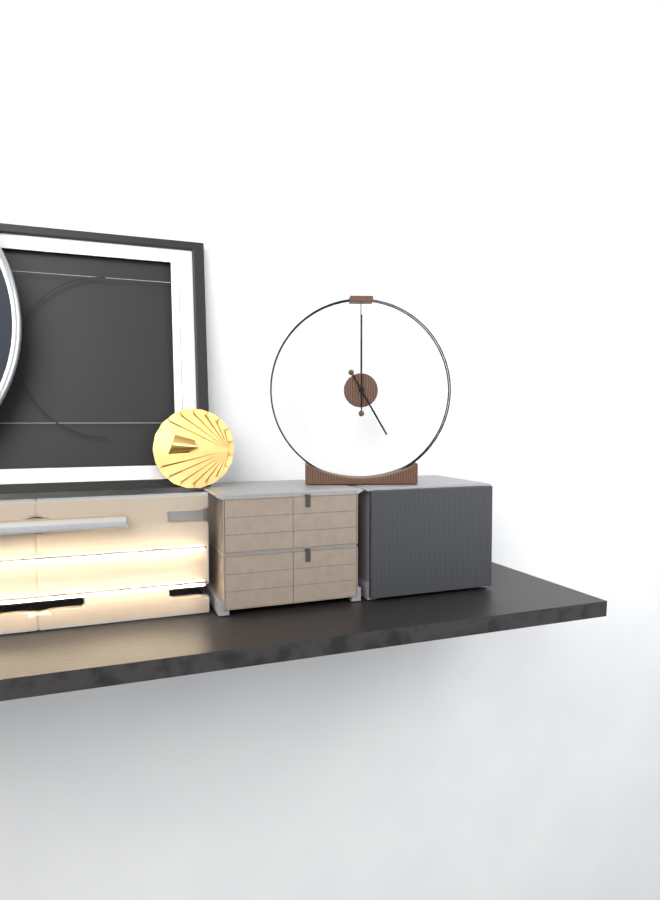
**5:00**
